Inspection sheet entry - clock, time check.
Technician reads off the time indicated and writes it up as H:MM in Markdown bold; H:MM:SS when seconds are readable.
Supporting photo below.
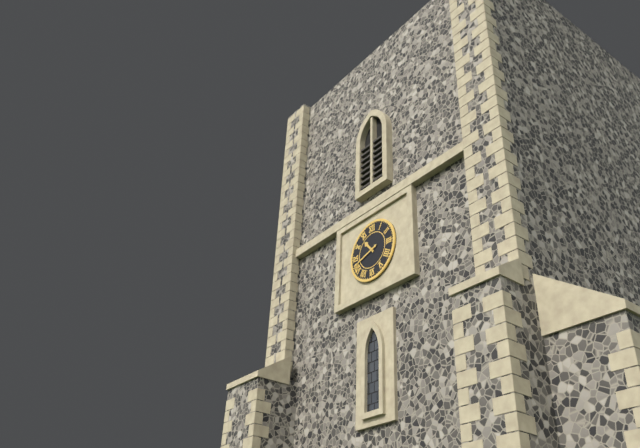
**10:42**
